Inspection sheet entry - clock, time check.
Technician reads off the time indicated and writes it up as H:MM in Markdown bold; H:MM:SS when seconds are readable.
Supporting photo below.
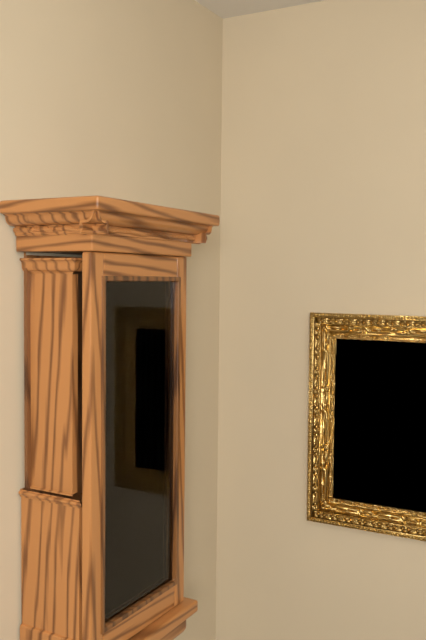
**4:16**
